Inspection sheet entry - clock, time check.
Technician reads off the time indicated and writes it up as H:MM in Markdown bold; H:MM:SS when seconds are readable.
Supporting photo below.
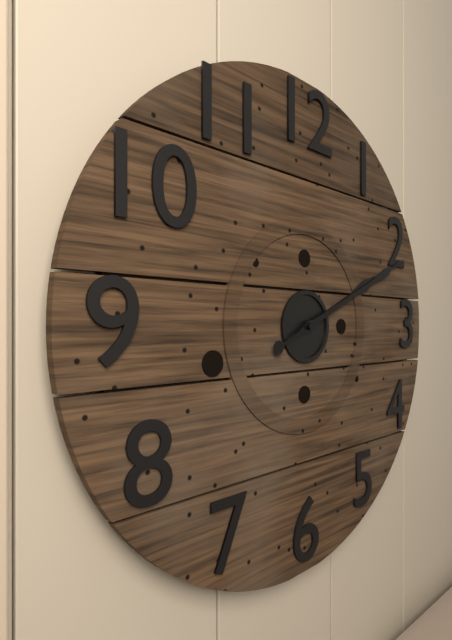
**2:11**
